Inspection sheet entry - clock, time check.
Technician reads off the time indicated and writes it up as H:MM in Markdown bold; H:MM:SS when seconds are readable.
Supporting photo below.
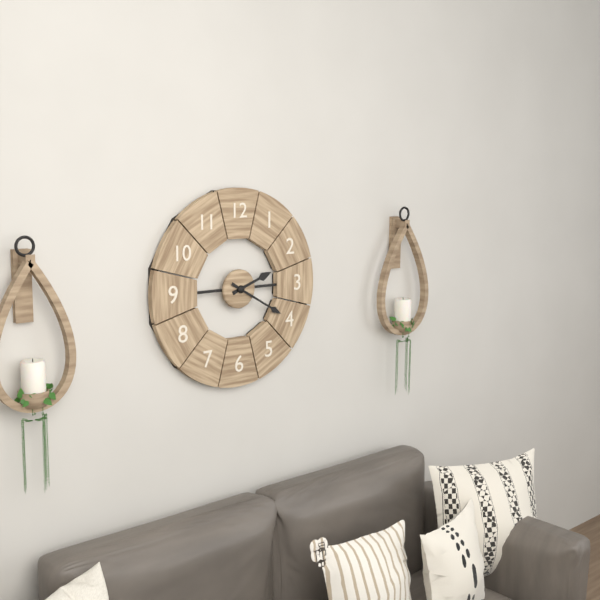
**2:20**
